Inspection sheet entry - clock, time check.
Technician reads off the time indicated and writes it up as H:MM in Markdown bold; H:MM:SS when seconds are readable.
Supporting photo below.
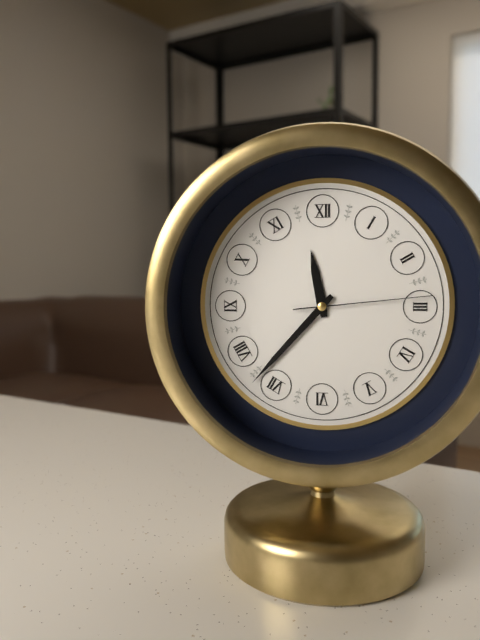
**11:37:14**
